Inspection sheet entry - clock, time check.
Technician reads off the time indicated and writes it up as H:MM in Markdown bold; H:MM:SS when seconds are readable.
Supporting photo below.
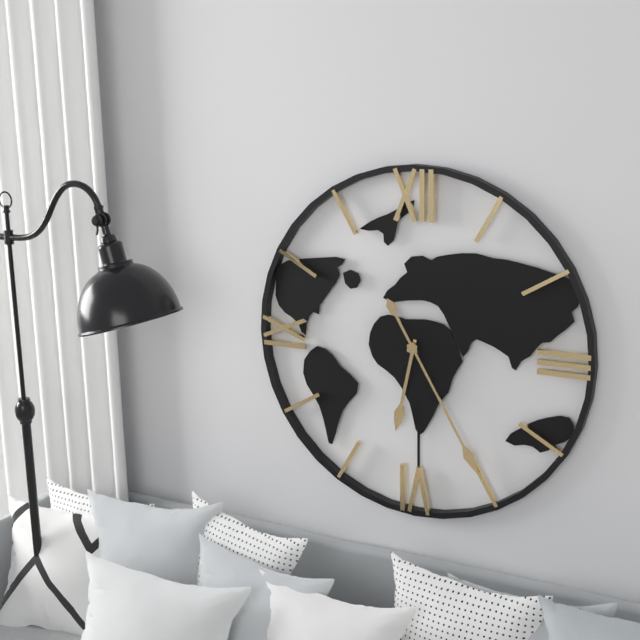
**6:25**
